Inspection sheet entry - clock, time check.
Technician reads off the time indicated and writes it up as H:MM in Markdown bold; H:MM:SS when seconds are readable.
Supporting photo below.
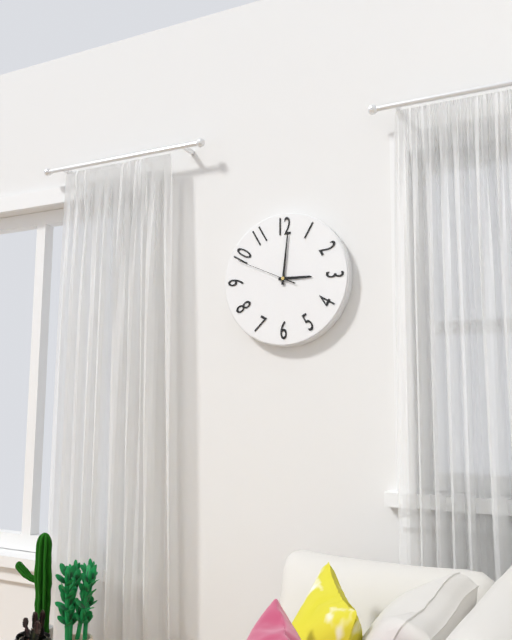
**3:01:49**
